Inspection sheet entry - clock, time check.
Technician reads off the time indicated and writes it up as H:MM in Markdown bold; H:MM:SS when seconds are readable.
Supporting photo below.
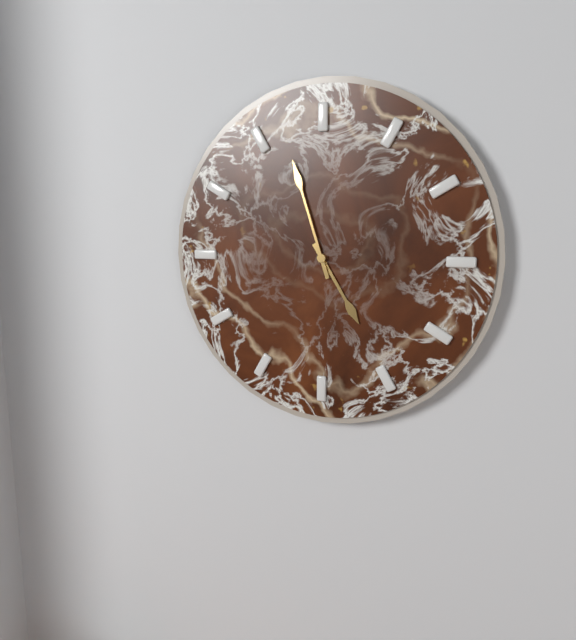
**4:57**
